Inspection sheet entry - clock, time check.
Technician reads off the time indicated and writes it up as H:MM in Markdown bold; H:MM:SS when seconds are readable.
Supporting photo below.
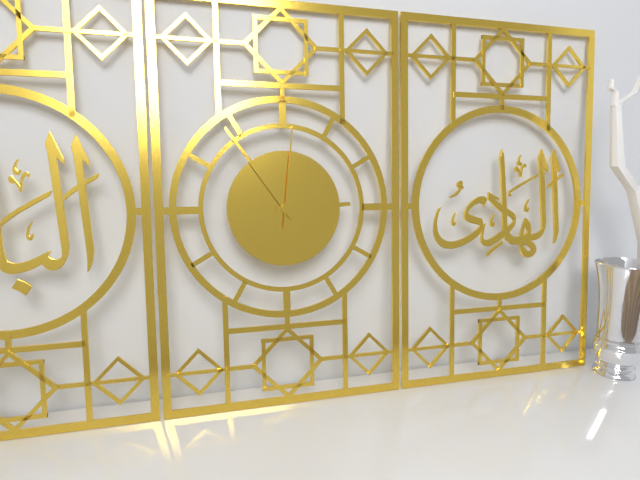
**2:54:01**
